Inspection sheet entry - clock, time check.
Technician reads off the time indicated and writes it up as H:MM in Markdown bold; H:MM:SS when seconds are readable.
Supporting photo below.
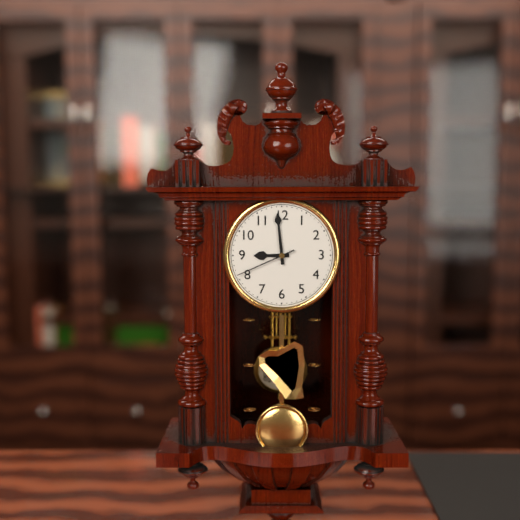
**8:59:41**
